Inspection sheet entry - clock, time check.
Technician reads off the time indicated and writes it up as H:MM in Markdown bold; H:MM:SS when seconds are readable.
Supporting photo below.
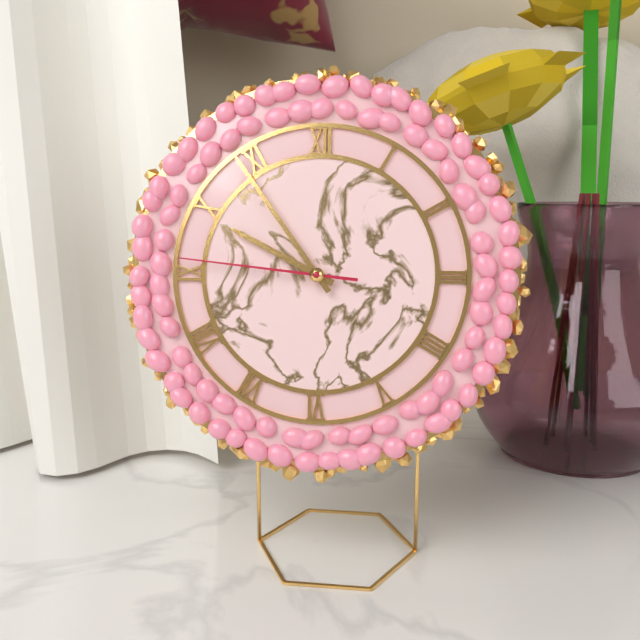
**9:54:46**
